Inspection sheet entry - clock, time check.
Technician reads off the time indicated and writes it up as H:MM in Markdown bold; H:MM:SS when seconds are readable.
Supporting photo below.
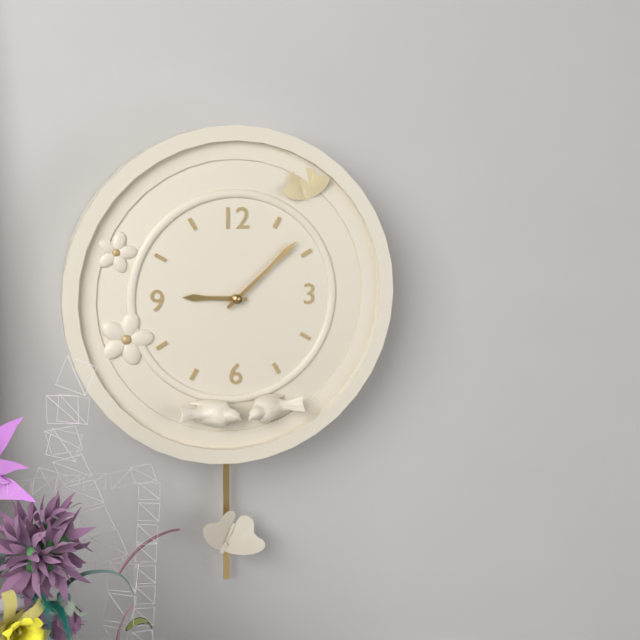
**9:08**
